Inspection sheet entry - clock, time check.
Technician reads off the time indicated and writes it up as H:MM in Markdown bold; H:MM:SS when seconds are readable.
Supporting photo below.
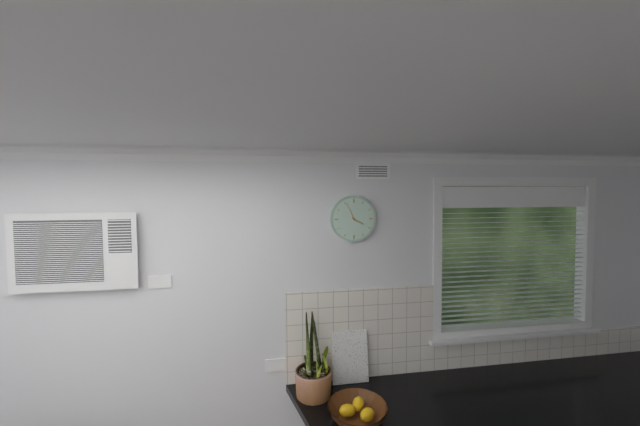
**3:56**
